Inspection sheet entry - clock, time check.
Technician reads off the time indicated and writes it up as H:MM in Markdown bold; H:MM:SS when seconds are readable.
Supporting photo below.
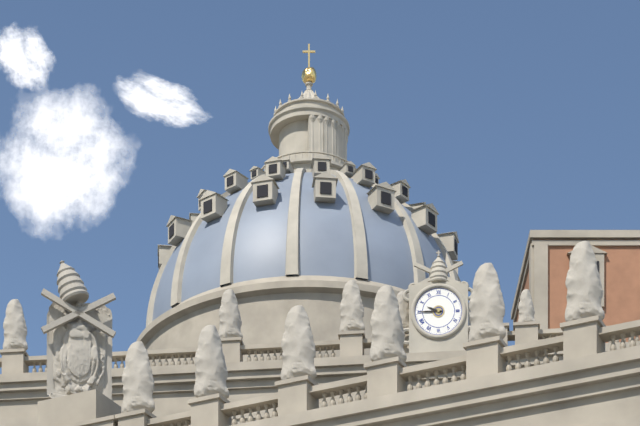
**9:45**
